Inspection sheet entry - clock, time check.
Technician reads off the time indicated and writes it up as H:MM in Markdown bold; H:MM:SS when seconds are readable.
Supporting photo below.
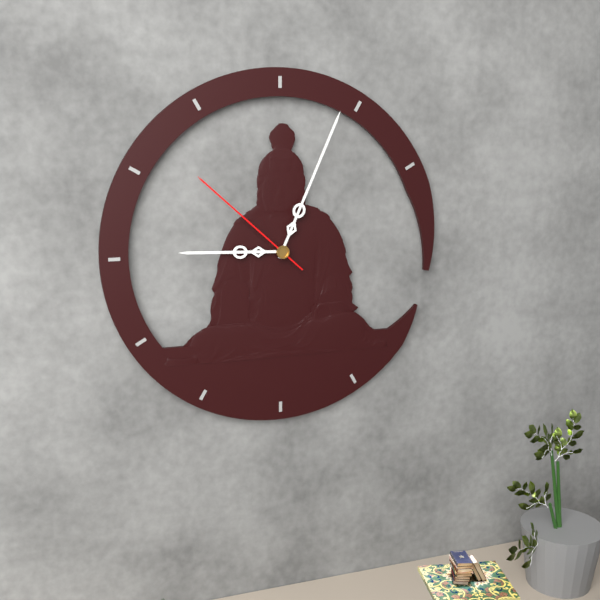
**9:04:52**
